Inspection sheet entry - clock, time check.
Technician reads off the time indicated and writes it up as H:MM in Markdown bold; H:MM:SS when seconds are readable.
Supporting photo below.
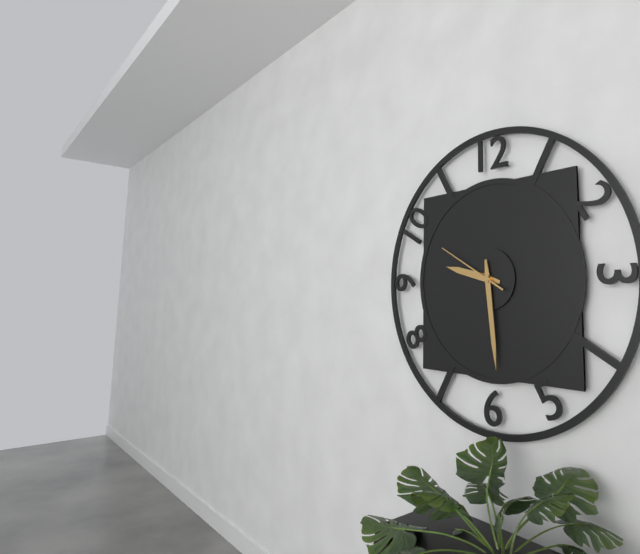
**9:29:50**
